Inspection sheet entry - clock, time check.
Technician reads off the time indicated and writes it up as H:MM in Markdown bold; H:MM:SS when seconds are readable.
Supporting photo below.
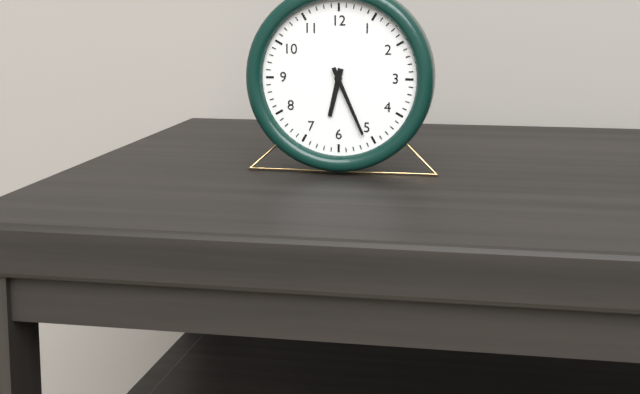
**6:26**
